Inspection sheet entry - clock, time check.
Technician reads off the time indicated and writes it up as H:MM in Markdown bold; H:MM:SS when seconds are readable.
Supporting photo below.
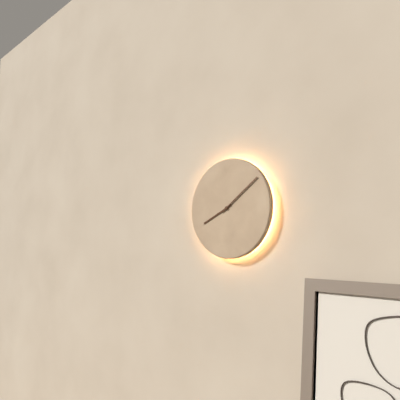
**8:09**
